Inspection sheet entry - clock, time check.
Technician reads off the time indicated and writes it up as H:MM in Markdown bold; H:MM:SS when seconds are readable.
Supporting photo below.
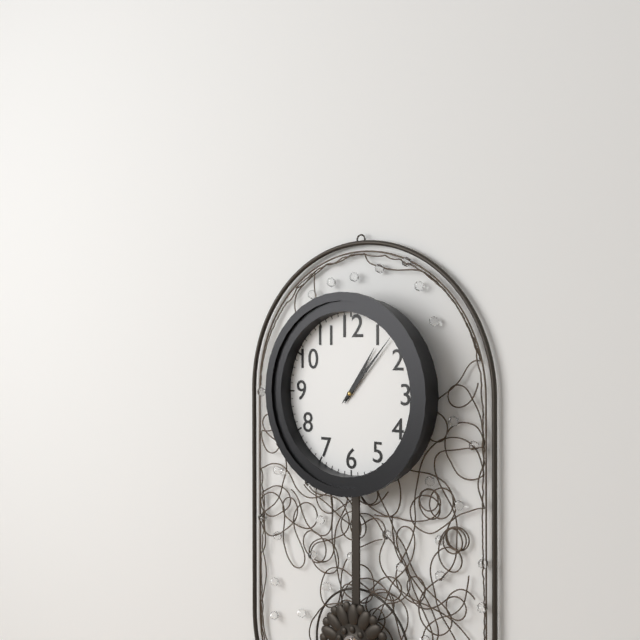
**1:07**
